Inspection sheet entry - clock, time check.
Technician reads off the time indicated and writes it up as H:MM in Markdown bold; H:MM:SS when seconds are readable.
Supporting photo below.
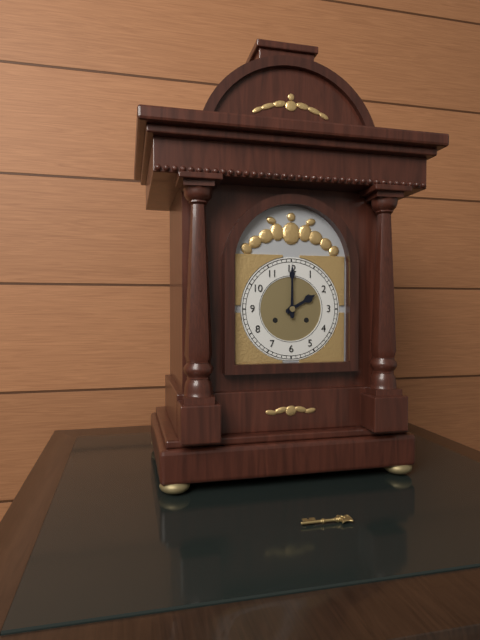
**2:00**
